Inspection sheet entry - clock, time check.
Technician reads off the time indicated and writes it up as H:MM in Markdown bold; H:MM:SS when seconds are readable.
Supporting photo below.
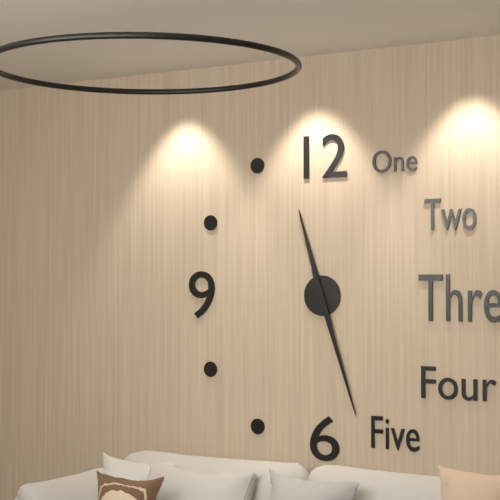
**11:27**
